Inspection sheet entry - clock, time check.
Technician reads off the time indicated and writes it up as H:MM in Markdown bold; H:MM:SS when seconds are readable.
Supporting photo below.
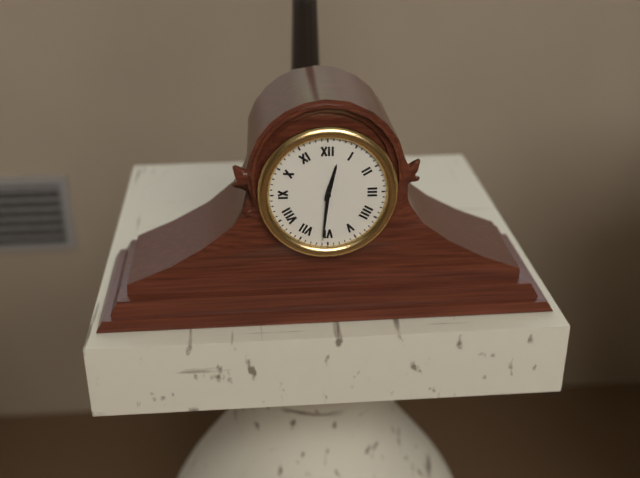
**12:31**
